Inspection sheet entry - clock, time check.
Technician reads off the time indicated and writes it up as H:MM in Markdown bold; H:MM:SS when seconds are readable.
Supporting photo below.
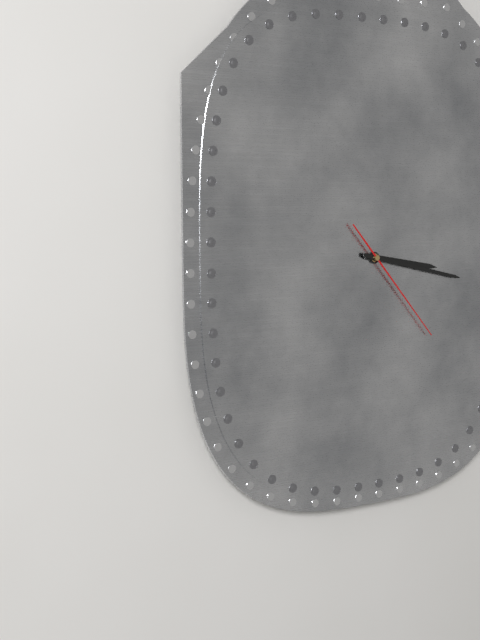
**3:17:23**
